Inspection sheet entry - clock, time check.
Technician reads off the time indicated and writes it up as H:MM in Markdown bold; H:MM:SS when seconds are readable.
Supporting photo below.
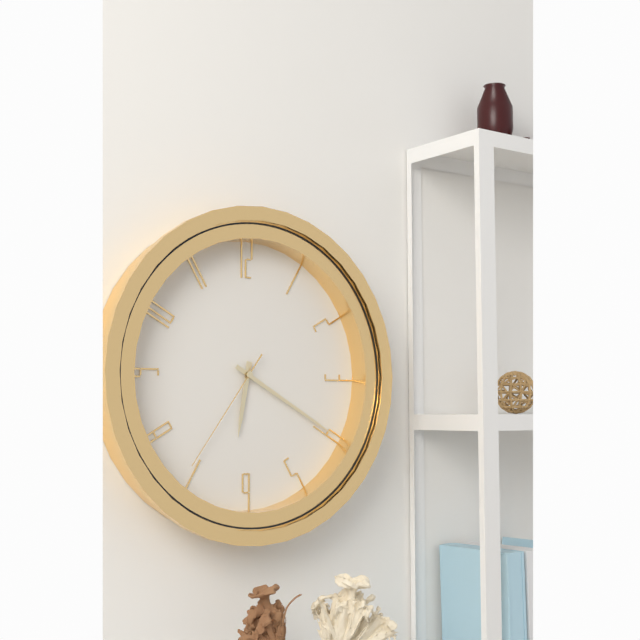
**6:20:36**
